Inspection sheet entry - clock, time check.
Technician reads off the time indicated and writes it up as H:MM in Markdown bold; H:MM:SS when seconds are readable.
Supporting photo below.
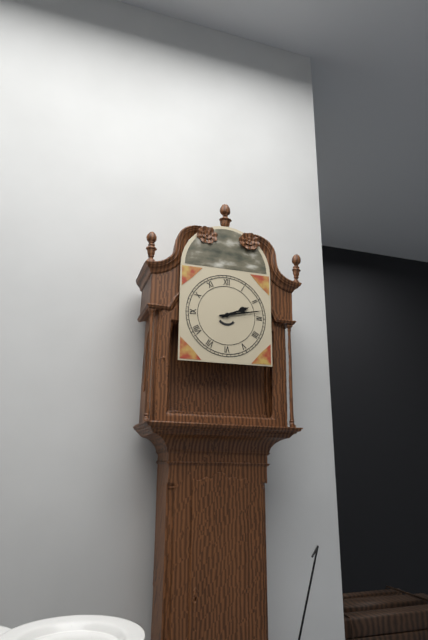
**2:13**
